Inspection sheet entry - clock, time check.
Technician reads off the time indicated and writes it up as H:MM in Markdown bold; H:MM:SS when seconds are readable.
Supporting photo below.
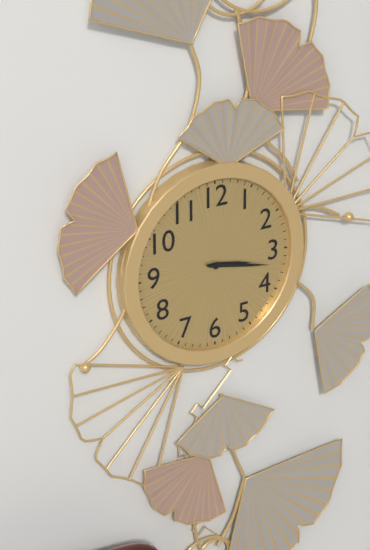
**3:17**
